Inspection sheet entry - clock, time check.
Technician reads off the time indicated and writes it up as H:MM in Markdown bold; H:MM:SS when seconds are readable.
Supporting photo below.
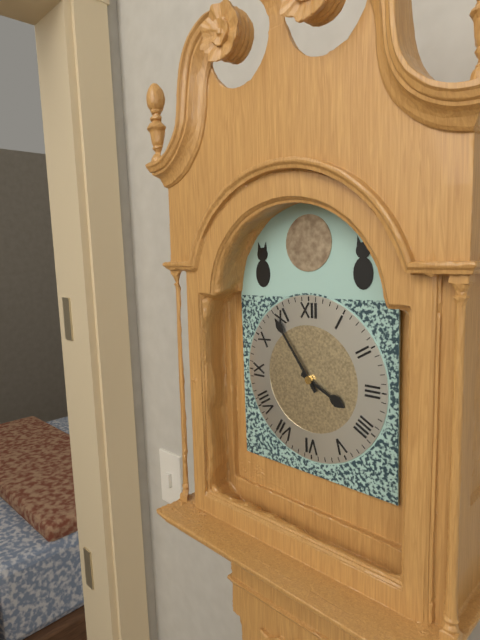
**3:54**
